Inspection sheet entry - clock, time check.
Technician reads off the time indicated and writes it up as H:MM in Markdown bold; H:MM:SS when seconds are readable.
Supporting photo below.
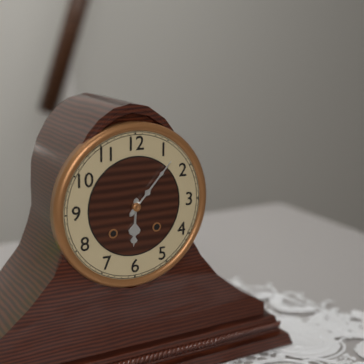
**6:07**
